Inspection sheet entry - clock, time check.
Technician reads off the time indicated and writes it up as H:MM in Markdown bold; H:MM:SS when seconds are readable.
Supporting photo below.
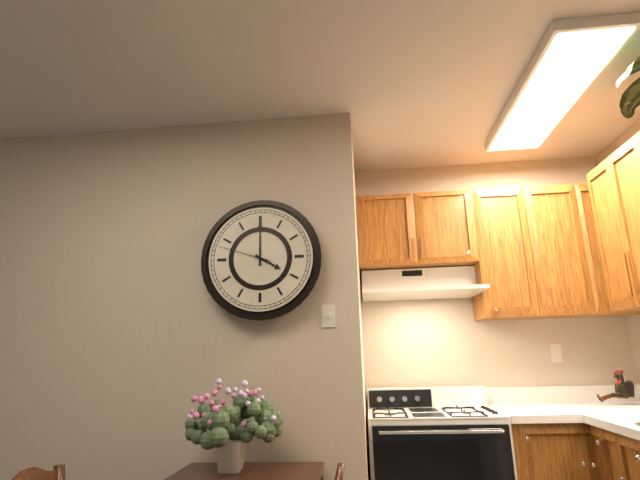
**4:00:48**
